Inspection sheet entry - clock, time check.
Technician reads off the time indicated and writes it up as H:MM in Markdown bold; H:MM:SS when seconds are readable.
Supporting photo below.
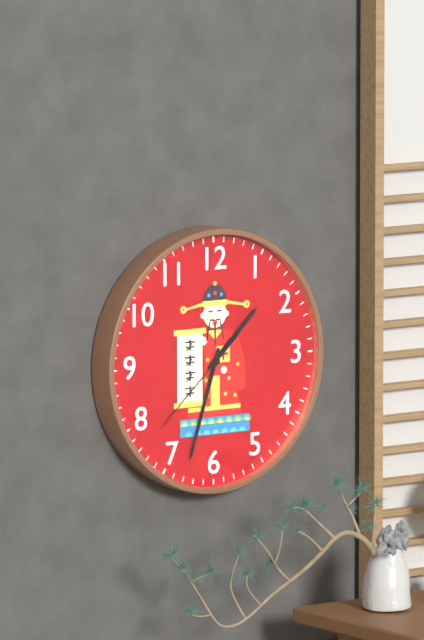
**1:33:38**
